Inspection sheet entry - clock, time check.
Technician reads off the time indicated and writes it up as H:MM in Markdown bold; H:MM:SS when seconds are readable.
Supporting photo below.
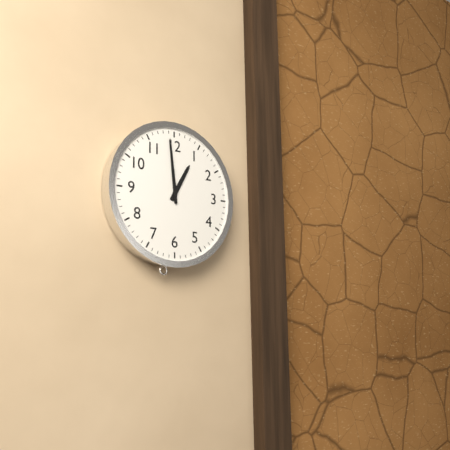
**12:59**
